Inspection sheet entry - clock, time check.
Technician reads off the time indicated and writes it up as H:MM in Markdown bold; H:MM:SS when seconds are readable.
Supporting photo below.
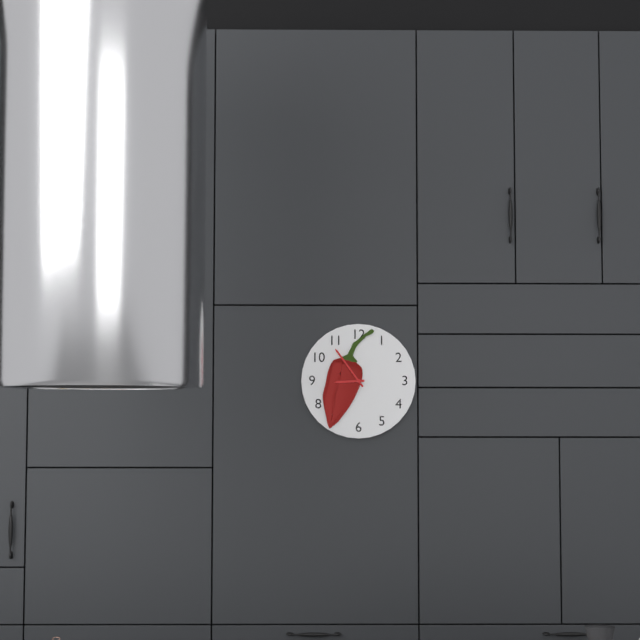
**8:54**
